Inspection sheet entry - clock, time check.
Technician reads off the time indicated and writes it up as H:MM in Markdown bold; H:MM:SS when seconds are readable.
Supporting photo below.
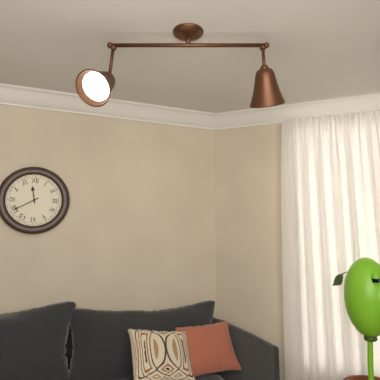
**11:40**
